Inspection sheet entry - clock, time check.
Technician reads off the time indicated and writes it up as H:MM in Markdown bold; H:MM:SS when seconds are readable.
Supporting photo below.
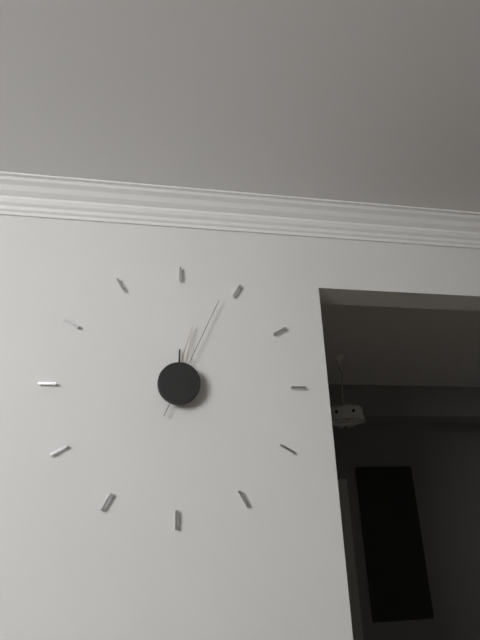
**12:02:04**
